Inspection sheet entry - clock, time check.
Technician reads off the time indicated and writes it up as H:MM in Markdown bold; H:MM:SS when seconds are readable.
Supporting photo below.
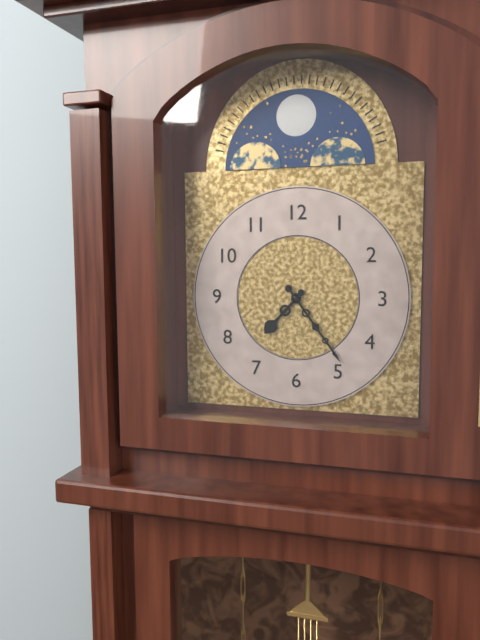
**7:24**
